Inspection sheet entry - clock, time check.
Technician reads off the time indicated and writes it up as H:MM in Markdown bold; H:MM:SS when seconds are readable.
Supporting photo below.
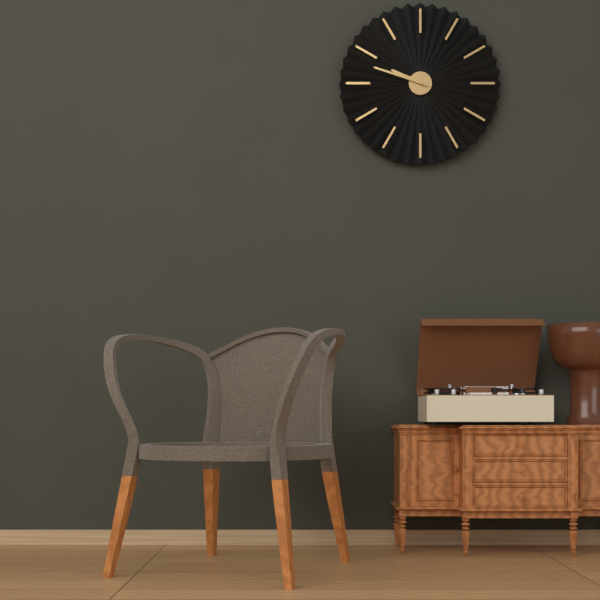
**9:48**
